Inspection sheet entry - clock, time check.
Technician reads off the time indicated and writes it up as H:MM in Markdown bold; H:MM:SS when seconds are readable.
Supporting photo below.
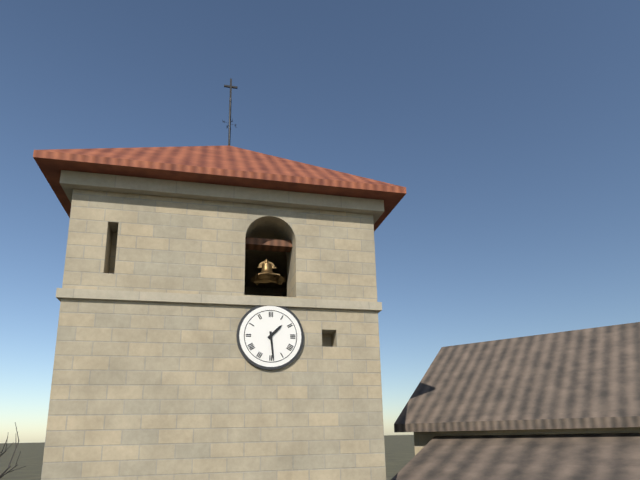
**1:29**
